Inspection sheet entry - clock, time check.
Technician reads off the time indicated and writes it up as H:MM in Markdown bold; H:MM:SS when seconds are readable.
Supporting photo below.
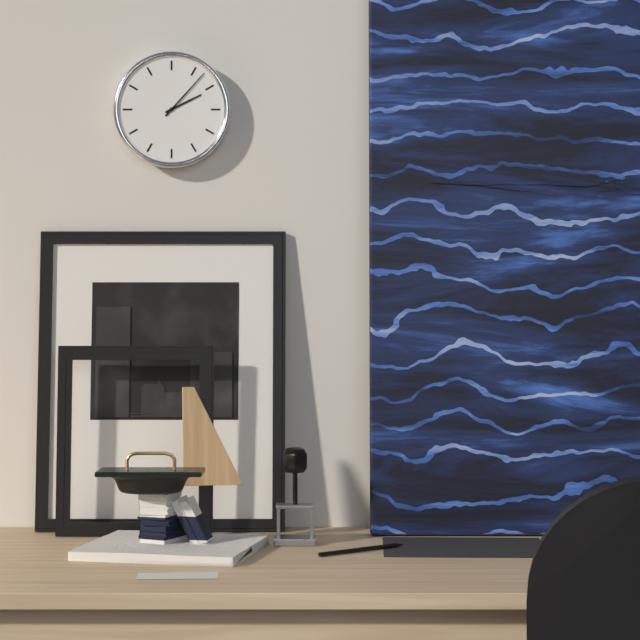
**2:07**
